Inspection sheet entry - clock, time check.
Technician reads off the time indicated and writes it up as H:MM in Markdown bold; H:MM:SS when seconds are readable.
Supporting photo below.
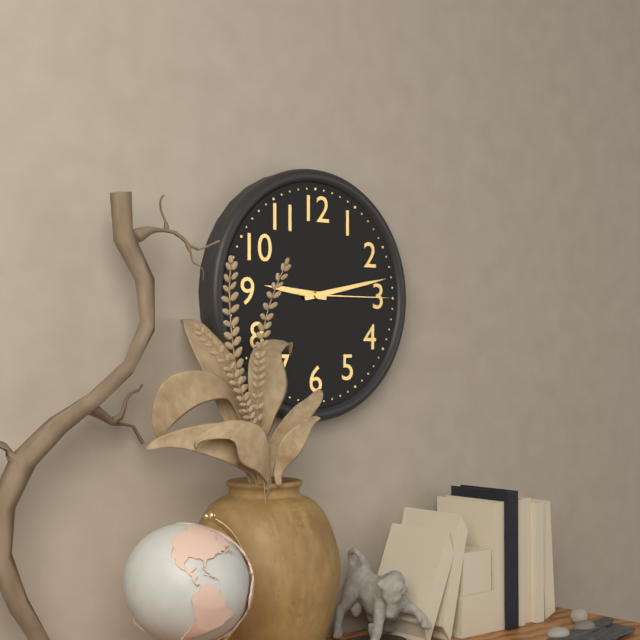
**9:13:15**
